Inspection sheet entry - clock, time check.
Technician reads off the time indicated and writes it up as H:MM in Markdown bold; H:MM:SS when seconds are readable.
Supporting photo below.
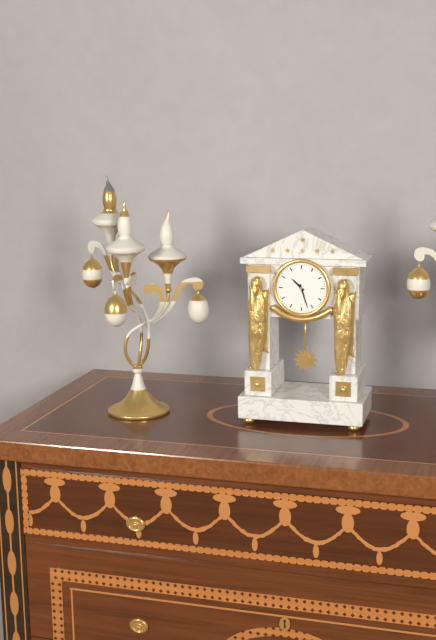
**10:27**
